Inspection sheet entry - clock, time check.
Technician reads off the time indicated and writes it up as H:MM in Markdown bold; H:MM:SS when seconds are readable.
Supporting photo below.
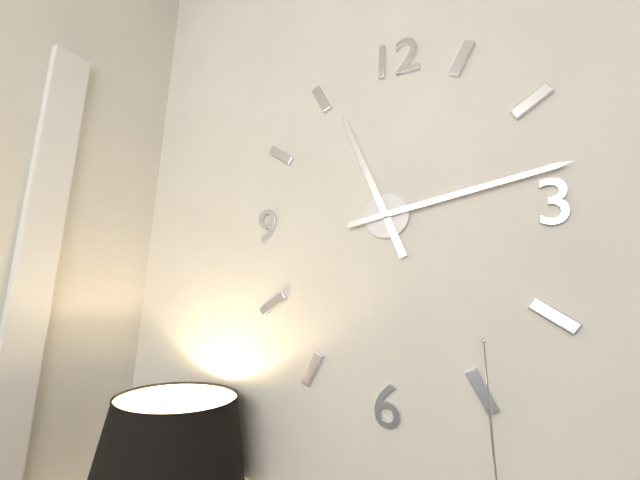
**11:13**
